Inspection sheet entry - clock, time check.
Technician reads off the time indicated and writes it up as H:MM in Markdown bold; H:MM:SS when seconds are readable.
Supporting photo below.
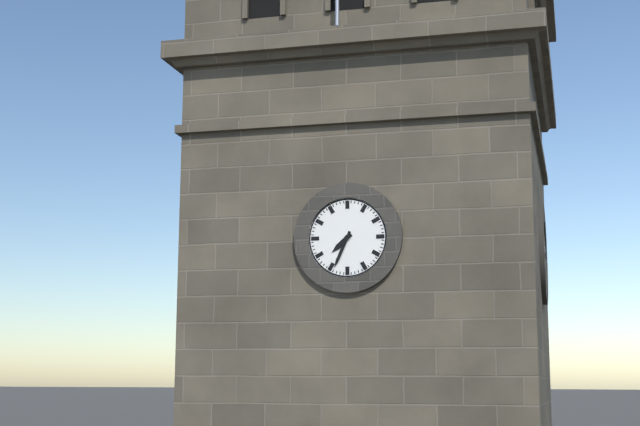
**7:34**
